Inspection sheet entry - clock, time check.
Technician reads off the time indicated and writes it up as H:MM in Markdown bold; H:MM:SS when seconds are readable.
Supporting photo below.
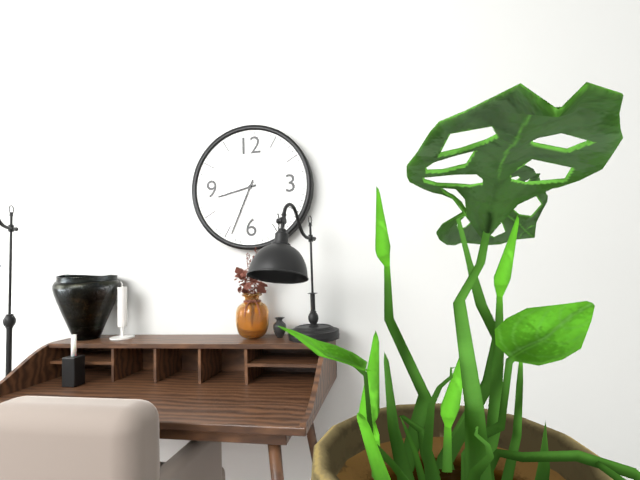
**8:34**
